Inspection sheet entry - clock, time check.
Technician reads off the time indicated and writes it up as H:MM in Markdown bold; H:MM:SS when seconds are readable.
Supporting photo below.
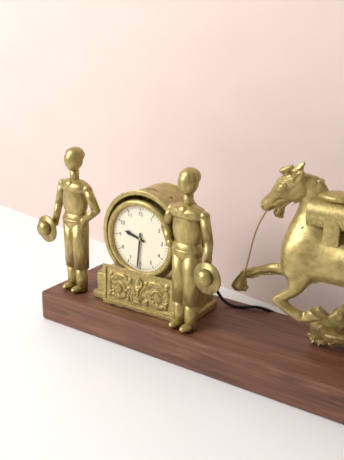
**9:31**
